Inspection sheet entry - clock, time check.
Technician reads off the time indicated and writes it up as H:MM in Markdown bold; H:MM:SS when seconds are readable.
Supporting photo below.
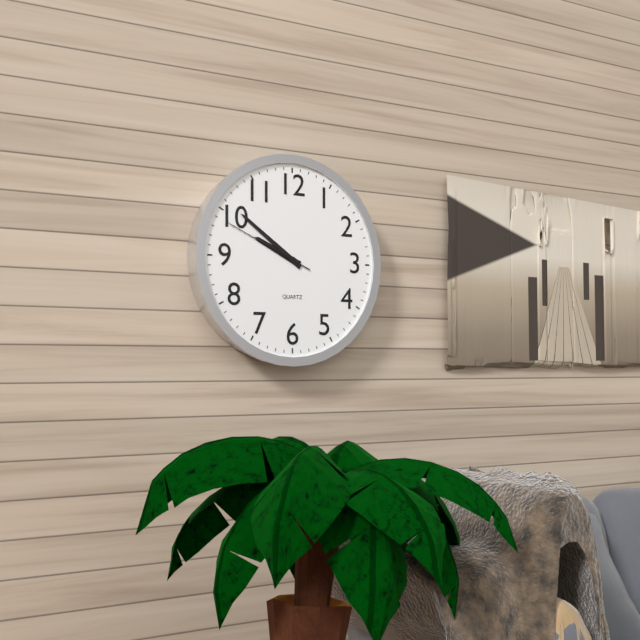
**9:51:49**
